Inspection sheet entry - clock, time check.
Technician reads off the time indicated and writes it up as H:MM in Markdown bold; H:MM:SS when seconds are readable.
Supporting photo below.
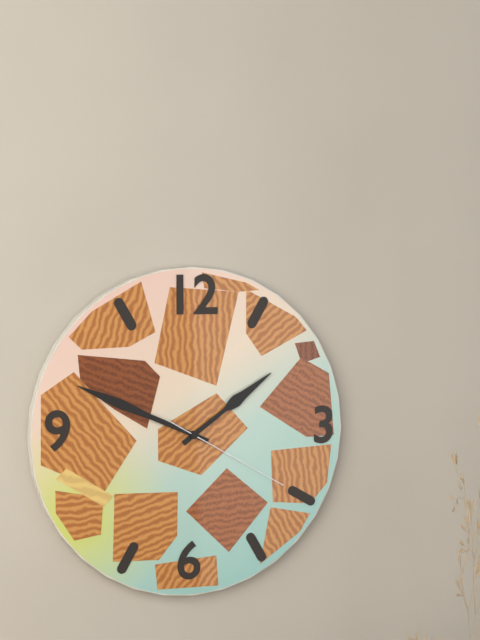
**1:49:20**
